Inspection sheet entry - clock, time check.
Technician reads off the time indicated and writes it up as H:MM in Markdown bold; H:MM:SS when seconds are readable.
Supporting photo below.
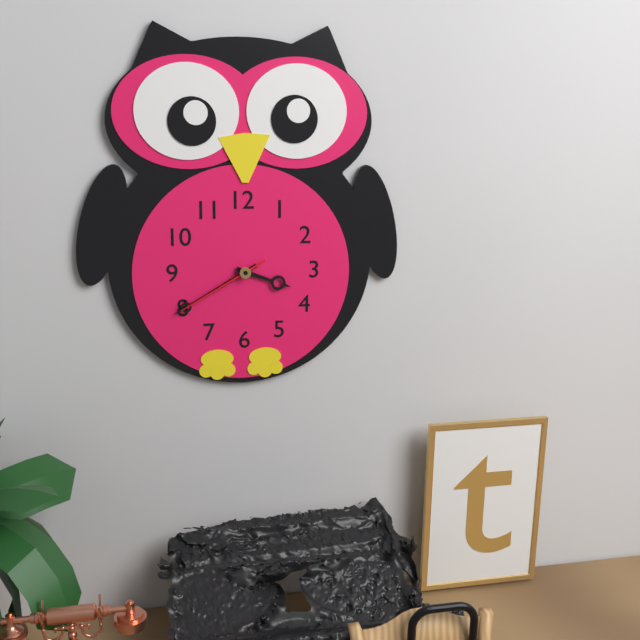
**3:40:40**
